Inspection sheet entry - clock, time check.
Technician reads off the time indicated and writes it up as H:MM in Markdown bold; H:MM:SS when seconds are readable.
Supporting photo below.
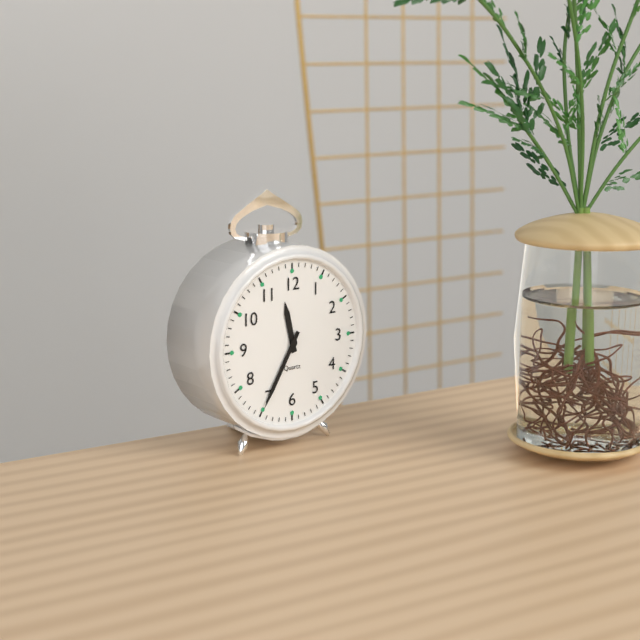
**11:35**
